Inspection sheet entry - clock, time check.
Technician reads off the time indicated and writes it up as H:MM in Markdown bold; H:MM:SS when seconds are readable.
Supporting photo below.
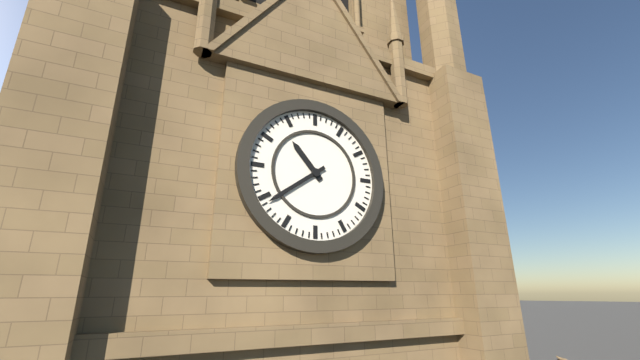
**10:39**
